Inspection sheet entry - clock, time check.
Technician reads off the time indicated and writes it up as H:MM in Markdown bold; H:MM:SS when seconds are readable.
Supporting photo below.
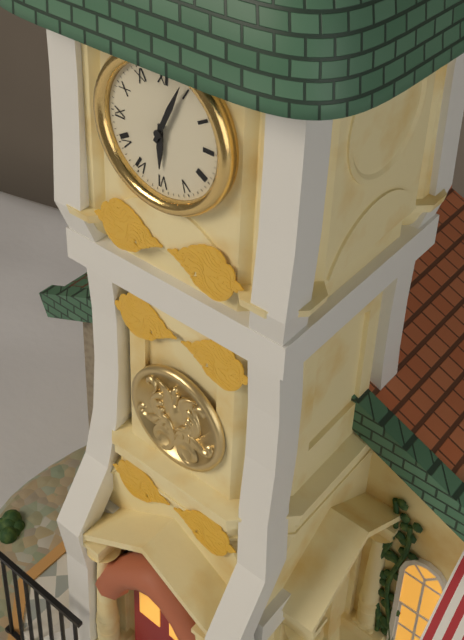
**6:04**
